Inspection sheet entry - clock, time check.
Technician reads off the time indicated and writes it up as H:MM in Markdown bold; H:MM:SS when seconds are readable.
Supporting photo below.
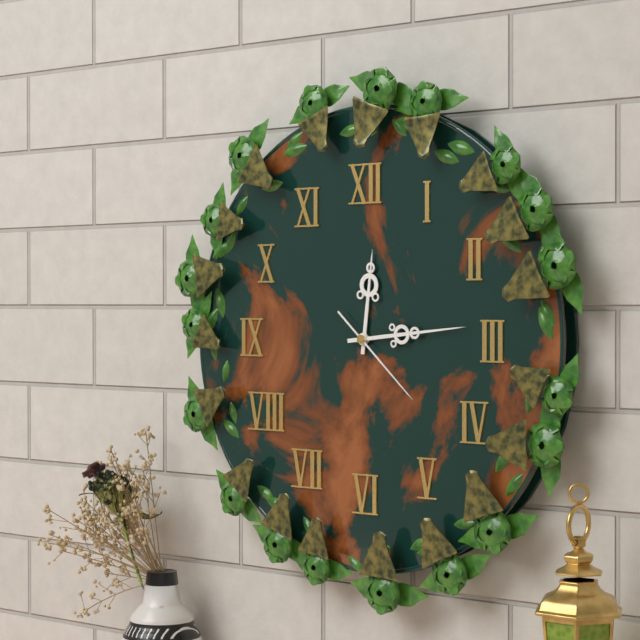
**12:14:22**
